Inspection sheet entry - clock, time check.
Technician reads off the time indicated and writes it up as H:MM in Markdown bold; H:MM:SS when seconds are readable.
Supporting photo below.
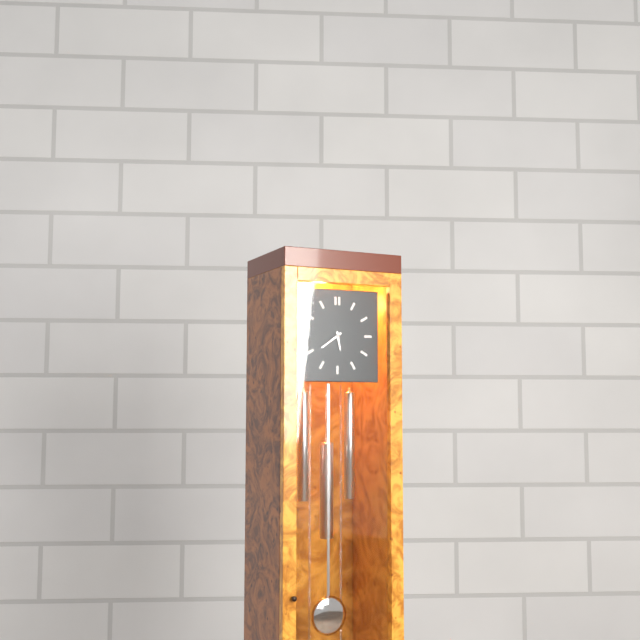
**5:39**
